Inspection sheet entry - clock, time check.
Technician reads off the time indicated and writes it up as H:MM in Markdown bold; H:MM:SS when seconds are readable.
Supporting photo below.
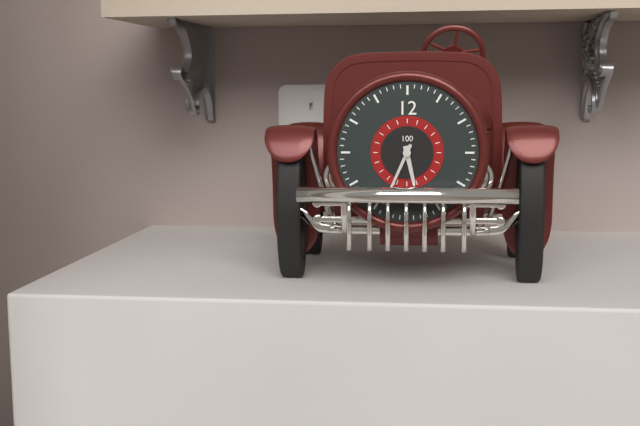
**5:34**
